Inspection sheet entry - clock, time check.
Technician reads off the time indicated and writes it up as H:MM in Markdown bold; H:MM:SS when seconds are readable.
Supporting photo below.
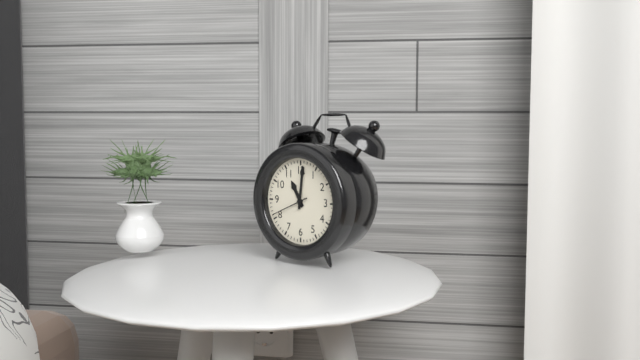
**11:01**
